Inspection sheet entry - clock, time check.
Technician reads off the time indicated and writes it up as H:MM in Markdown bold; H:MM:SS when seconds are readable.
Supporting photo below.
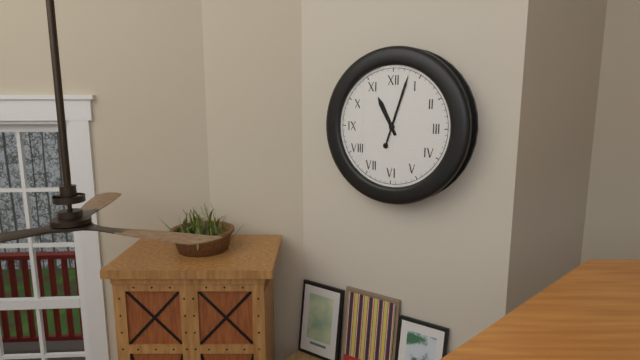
**11:03**
